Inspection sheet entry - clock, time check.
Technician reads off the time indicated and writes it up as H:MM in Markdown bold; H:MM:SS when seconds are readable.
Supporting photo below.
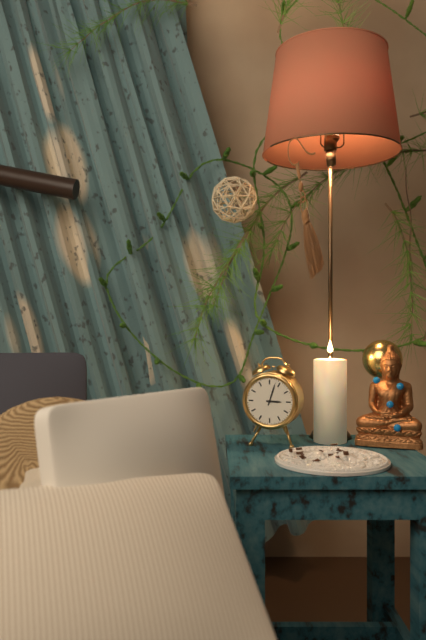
**3:03**
